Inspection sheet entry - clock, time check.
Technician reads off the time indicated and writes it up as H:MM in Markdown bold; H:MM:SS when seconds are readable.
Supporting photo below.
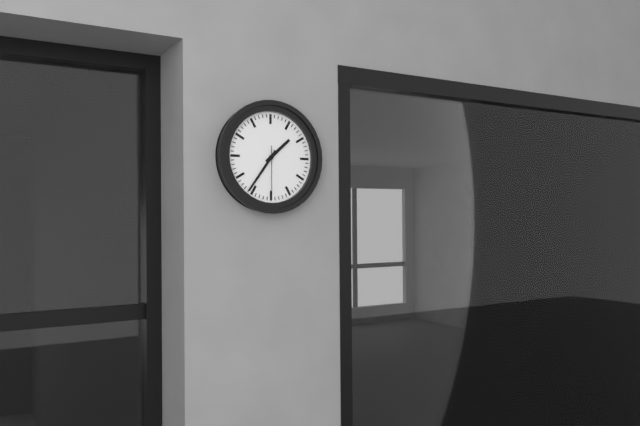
**1:36**
